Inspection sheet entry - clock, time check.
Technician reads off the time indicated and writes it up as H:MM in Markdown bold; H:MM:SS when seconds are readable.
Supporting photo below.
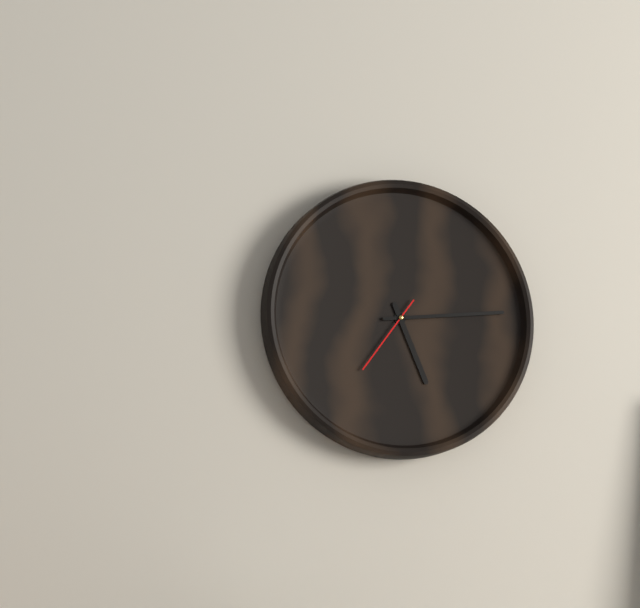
**5:14:36**
